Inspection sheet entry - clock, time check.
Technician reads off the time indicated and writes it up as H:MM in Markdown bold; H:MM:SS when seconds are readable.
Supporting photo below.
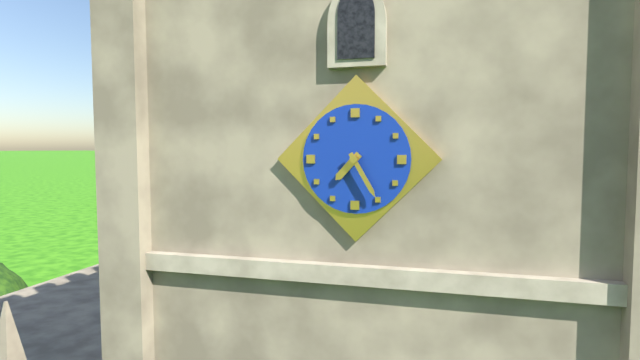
**7:25**
